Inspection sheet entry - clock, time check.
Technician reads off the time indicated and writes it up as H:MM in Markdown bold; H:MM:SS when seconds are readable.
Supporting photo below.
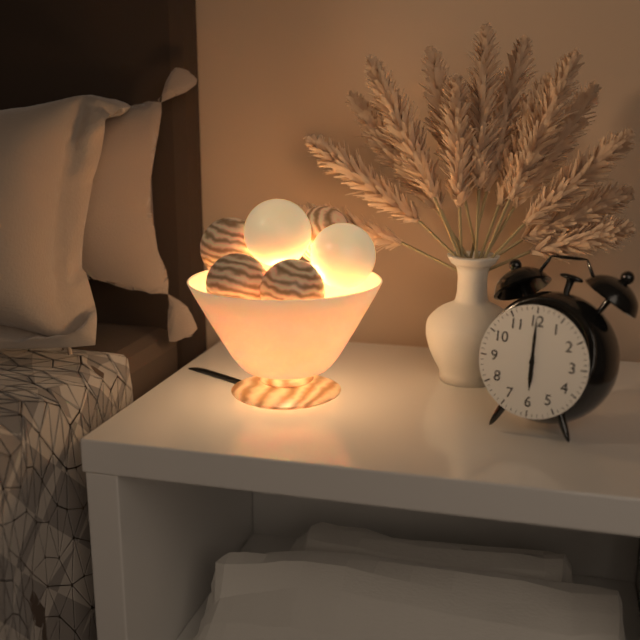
**6:00**
